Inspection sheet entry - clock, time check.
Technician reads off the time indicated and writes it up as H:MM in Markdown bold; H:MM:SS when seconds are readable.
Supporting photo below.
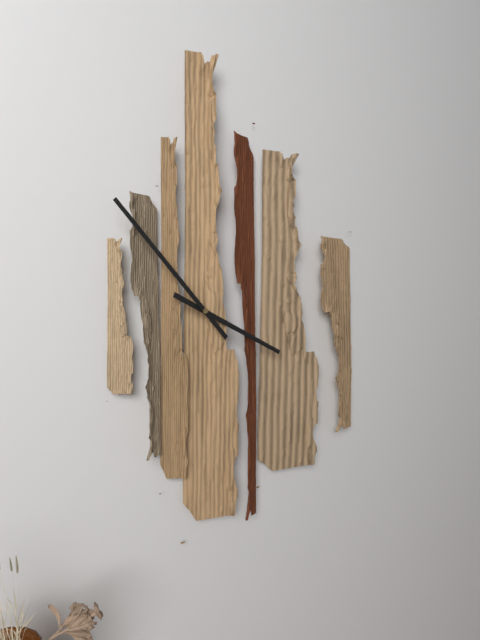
**3:53**
